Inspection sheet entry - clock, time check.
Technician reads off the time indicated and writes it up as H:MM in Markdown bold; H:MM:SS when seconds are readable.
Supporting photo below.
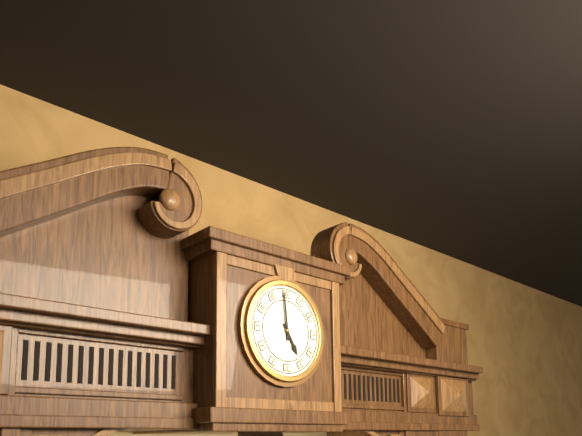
**4:59**
